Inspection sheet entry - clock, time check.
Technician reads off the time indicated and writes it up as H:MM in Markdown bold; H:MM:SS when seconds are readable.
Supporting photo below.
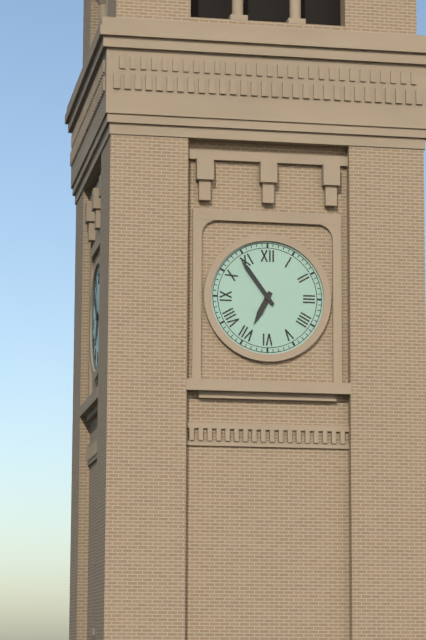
**6:54**
